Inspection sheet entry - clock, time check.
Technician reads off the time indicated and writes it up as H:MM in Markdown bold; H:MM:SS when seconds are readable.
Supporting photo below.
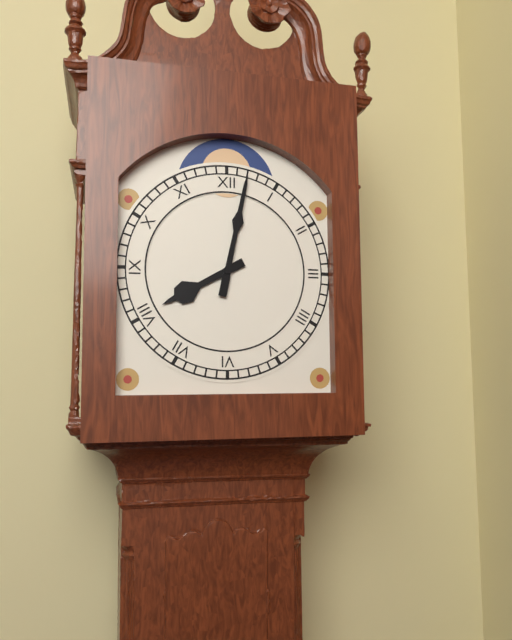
**8:02**
